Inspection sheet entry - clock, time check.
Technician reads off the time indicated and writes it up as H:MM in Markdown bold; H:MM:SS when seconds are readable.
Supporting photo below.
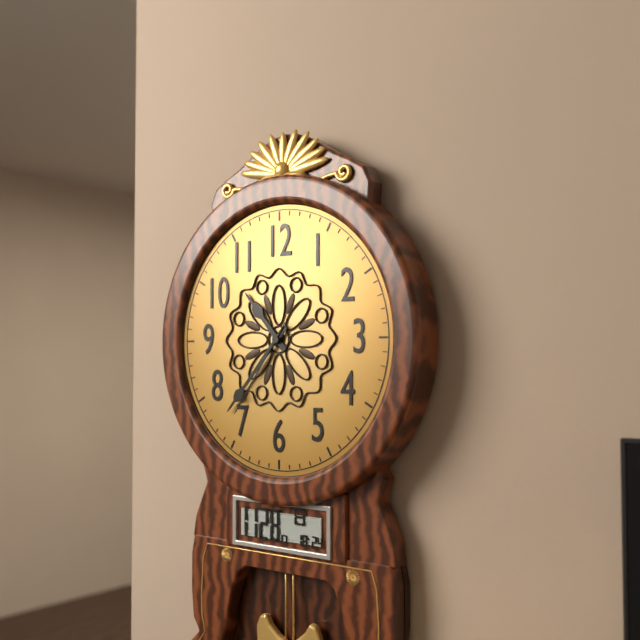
**10:37:36**
